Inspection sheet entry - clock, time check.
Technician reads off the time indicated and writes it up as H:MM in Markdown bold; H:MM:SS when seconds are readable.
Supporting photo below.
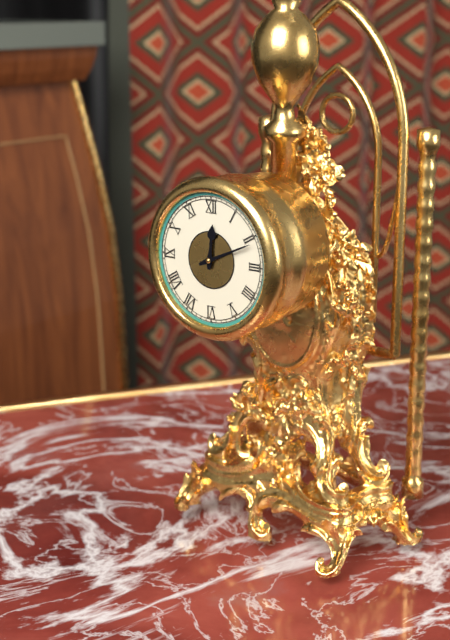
**12:11**
